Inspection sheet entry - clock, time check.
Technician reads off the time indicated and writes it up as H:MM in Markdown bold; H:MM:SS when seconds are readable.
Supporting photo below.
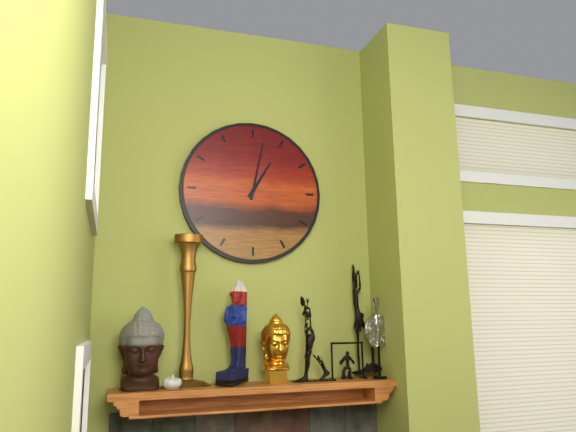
**1:02**
